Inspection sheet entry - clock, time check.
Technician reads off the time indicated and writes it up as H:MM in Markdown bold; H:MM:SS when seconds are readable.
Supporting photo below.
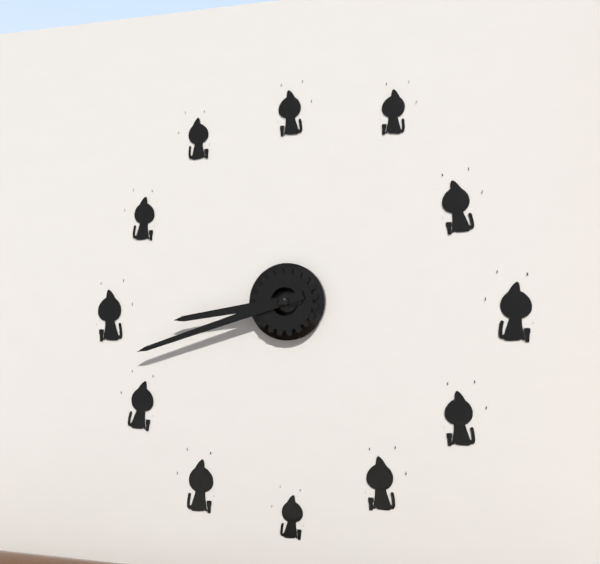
**8:42**
